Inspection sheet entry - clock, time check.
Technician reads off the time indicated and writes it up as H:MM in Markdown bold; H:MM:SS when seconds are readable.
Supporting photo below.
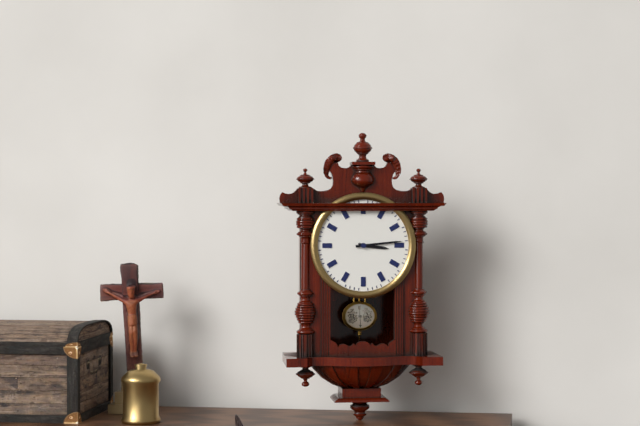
**3:14**
